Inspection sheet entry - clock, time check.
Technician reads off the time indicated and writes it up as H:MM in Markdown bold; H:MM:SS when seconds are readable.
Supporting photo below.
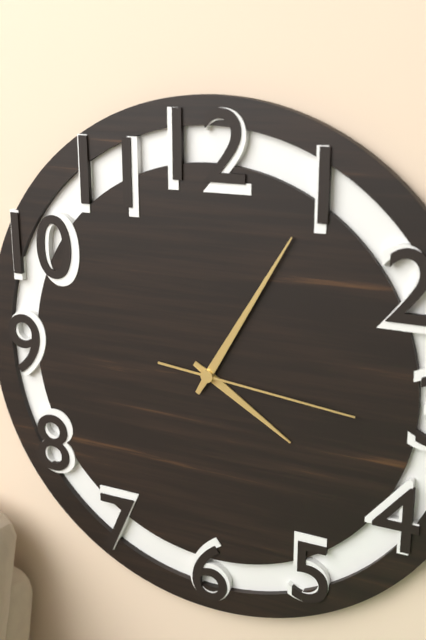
**4:05:16**
